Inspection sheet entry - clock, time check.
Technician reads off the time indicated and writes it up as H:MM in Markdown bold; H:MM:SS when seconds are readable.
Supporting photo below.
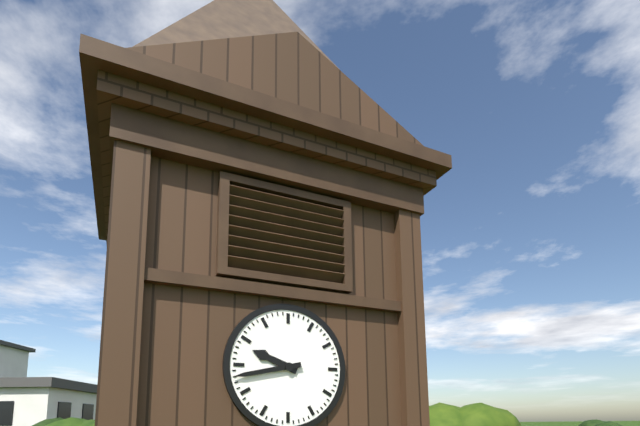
**9:43**
